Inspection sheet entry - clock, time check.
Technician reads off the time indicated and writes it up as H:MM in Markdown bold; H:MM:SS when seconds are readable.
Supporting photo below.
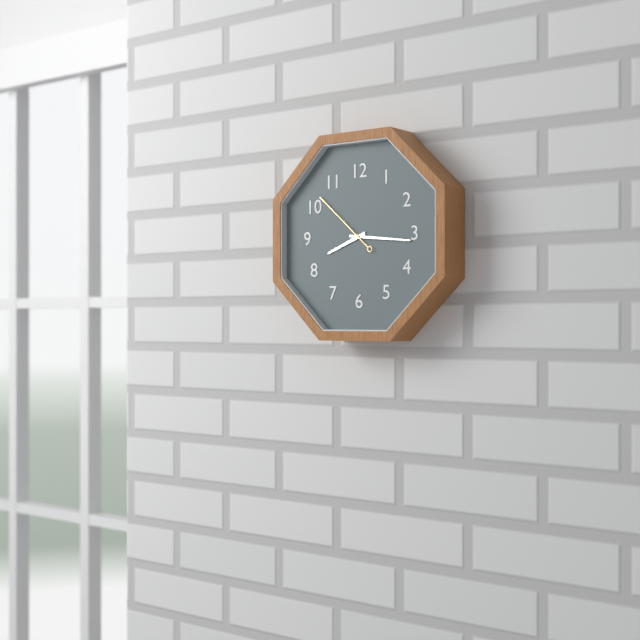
**8:16:52**
